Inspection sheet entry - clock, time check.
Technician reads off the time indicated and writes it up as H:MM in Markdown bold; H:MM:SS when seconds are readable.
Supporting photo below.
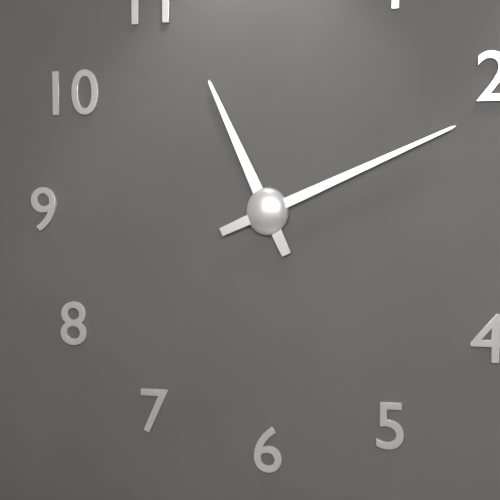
**11:11**
